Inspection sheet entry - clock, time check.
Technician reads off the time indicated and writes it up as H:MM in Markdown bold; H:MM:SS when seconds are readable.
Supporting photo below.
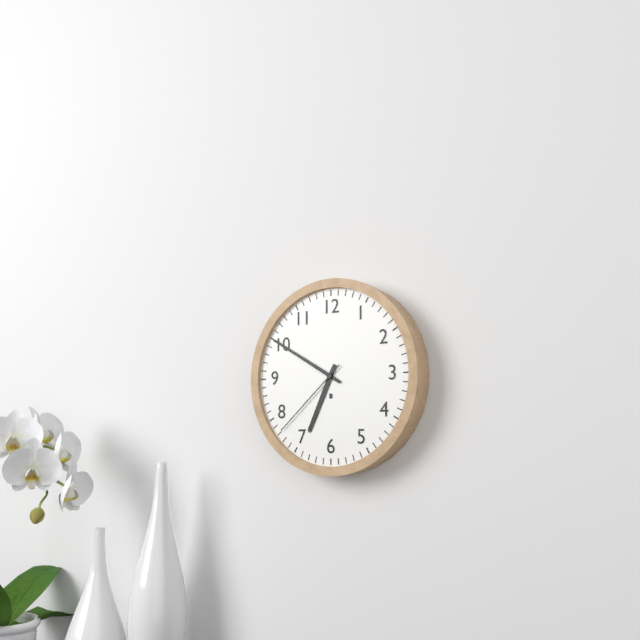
**6:50:38**
